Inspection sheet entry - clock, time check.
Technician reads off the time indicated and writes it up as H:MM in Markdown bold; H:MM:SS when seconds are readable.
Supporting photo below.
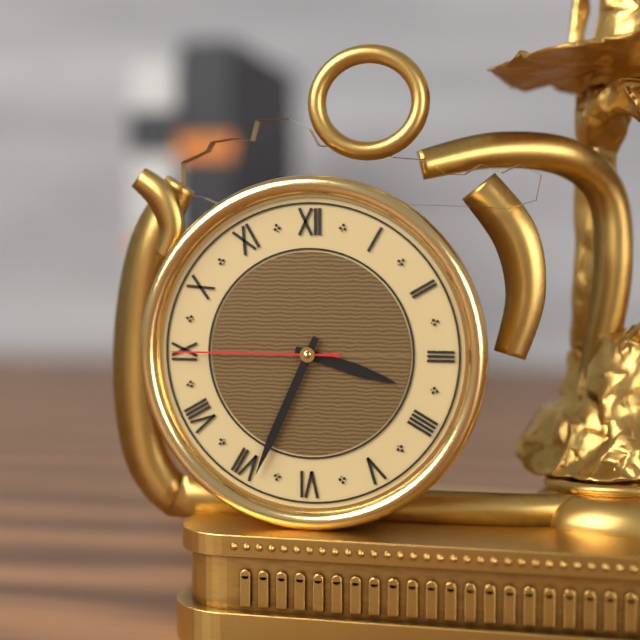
**3:34:45**
